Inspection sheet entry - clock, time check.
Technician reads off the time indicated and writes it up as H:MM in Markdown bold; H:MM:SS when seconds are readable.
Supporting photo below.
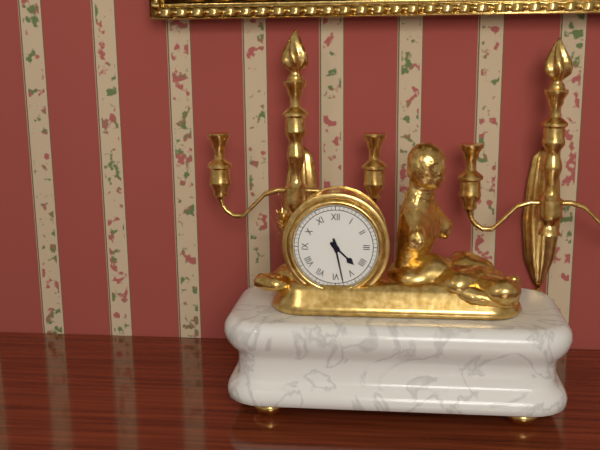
**4:28**
